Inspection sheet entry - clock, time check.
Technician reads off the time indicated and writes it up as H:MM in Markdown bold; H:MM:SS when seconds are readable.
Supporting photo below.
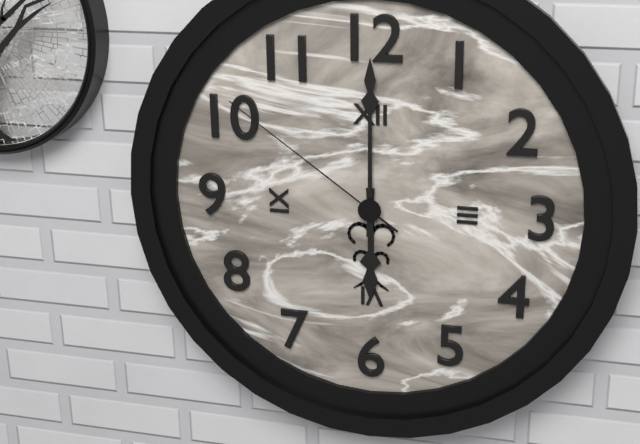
**6:00:51**
